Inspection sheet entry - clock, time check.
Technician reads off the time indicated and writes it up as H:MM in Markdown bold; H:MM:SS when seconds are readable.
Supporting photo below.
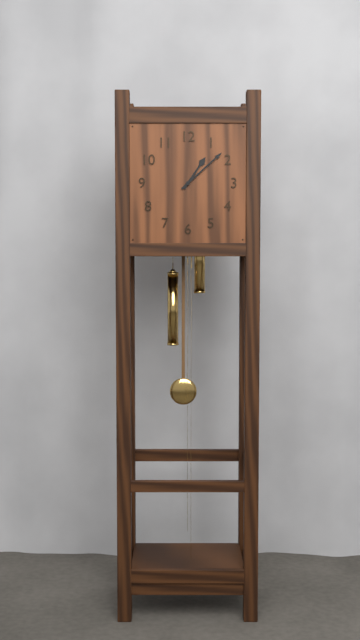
**1:08**
